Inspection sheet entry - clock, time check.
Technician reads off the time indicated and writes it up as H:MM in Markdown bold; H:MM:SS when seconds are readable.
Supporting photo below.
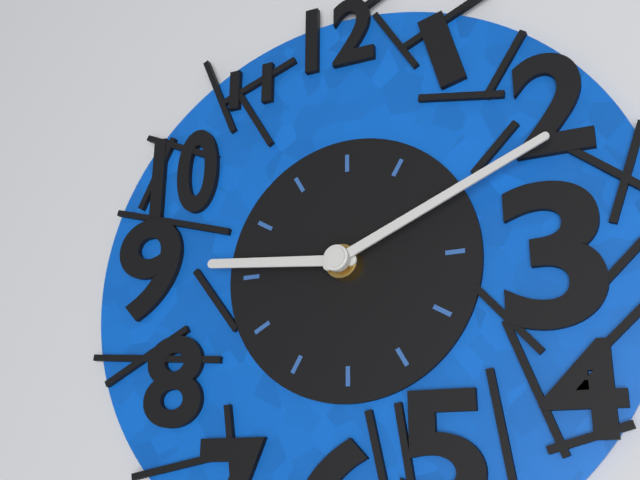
**9:11**
